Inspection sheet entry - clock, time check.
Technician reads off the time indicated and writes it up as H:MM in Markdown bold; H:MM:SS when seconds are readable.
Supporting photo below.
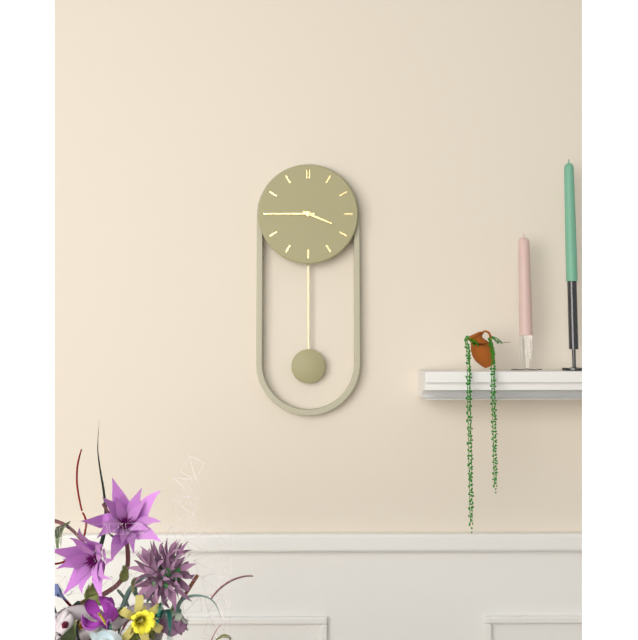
**3:45**
